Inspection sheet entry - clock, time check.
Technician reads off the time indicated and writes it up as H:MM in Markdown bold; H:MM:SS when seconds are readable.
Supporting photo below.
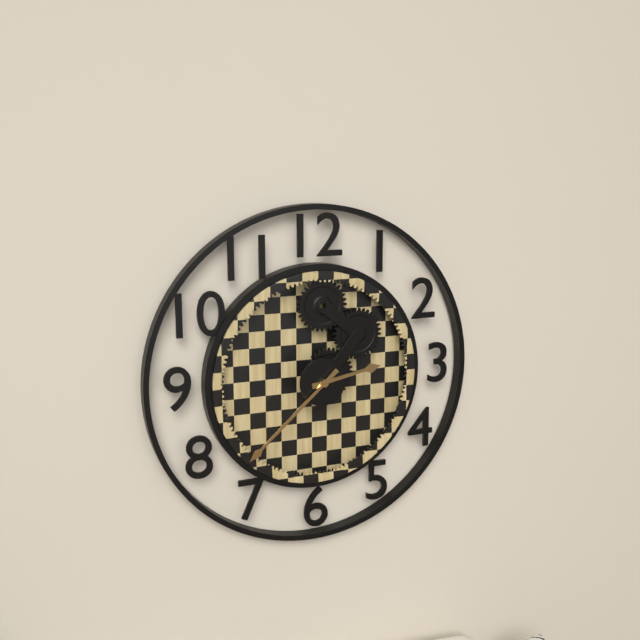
**2:38**
